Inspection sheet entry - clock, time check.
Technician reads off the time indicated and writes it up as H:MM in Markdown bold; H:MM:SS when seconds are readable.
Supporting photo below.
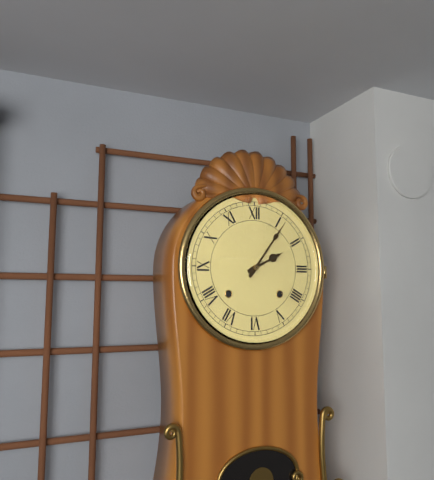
**2:06**
